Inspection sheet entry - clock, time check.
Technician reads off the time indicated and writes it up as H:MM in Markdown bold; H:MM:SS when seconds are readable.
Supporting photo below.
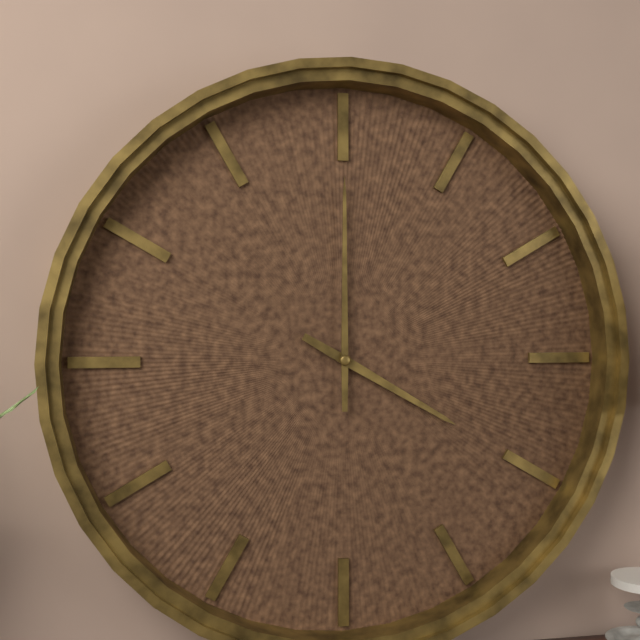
**4:00**
